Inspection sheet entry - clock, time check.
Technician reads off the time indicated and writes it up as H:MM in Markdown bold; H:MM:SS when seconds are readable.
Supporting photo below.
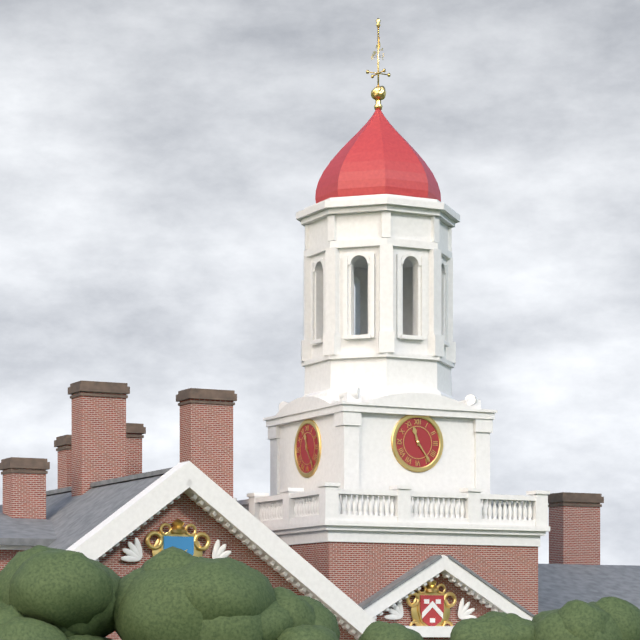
**11:24**
